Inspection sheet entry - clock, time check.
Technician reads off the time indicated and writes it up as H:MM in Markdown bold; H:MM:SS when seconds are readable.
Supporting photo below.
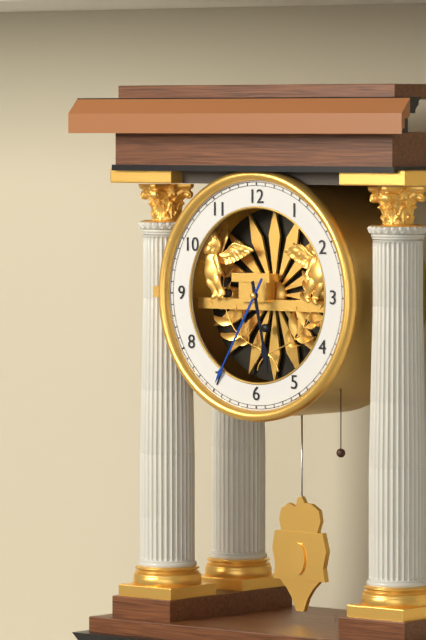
**5:35**
